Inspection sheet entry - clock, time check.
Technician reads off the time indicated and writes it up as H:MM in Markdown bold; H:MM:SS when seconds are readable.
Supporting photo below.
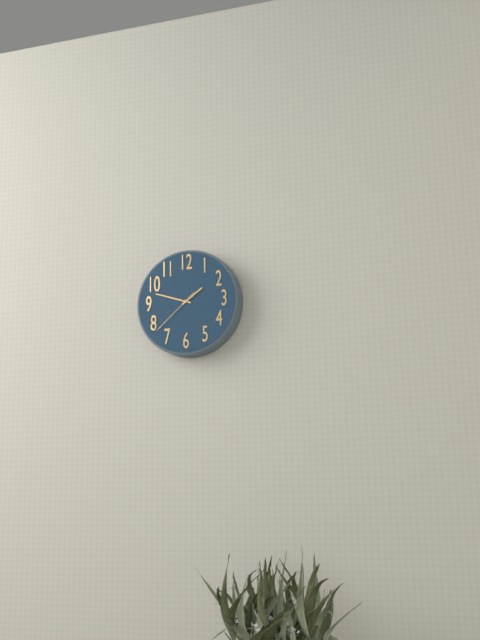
**1:48:38**
